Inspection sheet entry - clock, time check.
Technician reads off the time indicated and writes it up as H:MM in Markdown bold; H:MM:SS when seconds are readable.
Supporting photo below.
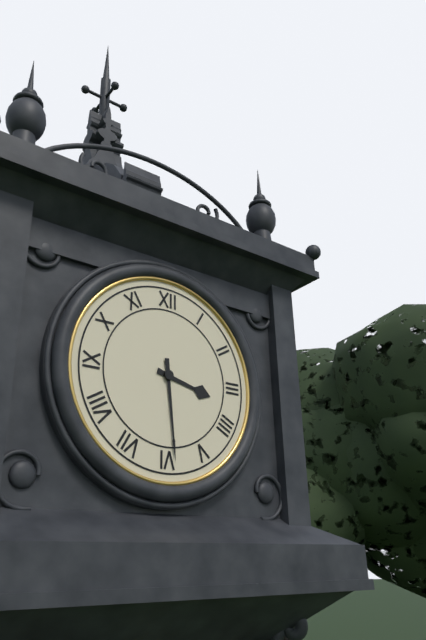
**3:29**
